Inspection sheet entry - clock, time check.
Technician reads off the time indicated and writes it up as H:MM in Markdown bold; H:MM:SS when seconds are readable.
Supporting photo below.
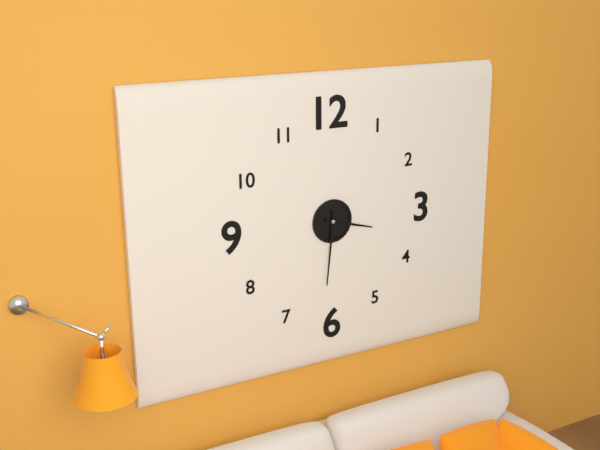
**3:31**
